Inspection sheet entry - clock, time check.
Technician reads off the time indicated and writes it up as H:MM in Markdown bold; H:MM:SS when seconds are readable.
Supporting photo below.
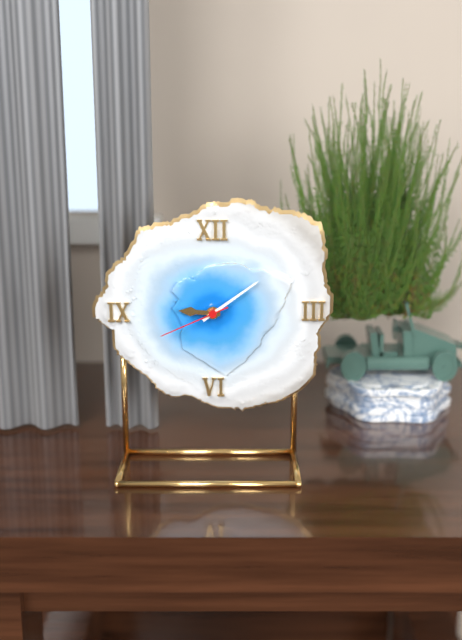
**9:09:41**
